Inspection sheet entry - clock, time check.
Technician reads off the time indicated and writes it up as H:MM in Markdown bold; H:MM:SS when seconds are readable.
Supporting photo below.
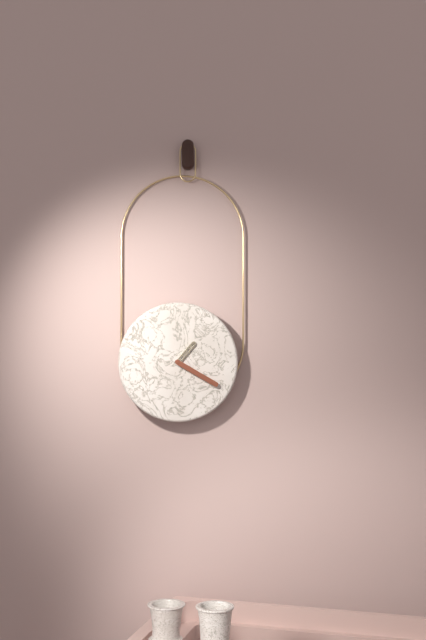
**1:20**
